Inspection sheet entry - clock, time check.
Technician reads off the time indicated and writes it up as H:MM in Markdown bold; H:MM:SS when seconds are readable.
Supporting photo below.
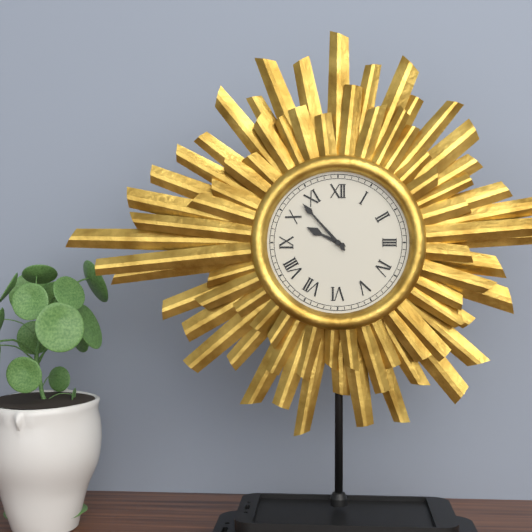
**9:53**
